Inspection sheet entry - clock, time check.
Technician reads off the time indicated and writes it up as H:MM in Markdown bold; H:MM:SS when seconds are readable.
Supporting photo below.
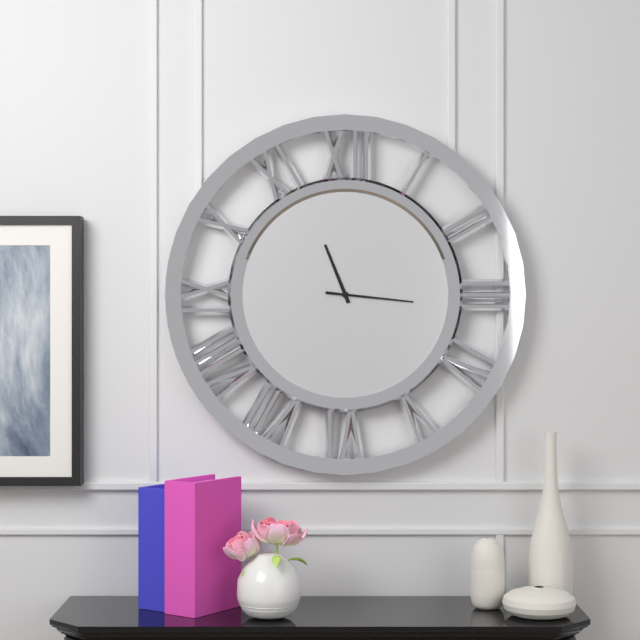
**11:16**
